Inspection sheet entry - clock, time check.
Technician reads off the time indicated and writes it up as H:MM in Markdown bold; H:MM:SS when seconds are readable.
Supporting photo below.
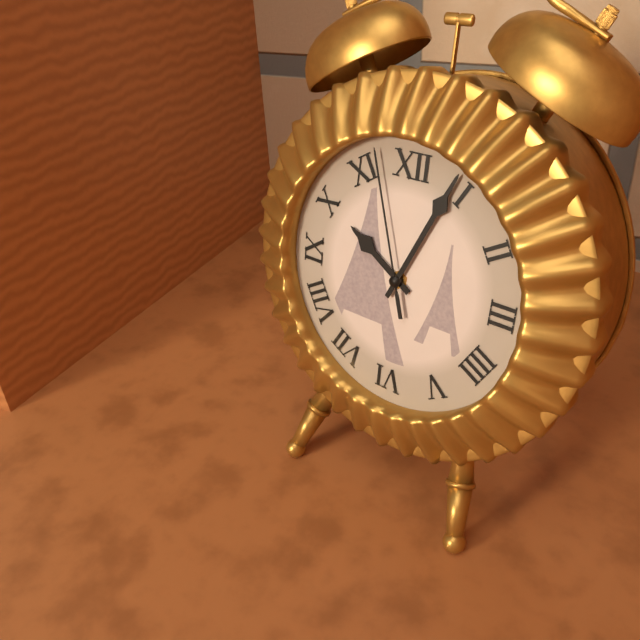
**10:04:57**
